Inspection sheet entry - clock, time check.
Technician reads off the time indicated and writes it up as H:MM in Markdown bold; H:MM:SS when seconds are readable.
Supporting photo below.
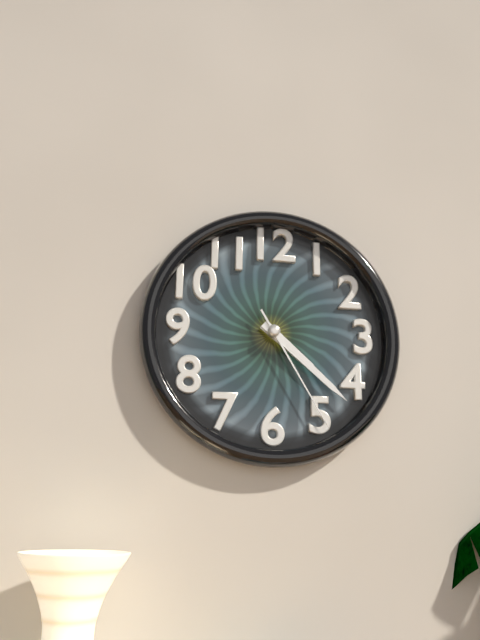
**4:22:25**
